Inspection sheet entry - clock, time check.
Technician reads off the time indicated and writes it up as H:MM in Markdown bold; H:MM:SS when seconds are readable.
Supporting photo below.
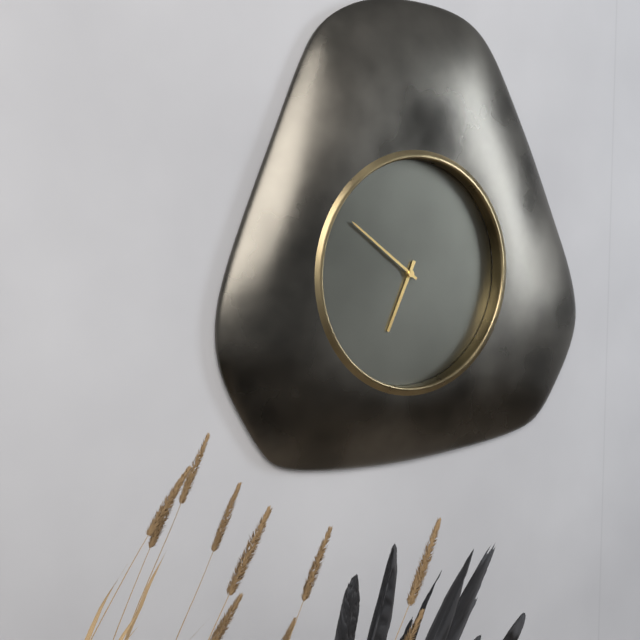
**6:51**
